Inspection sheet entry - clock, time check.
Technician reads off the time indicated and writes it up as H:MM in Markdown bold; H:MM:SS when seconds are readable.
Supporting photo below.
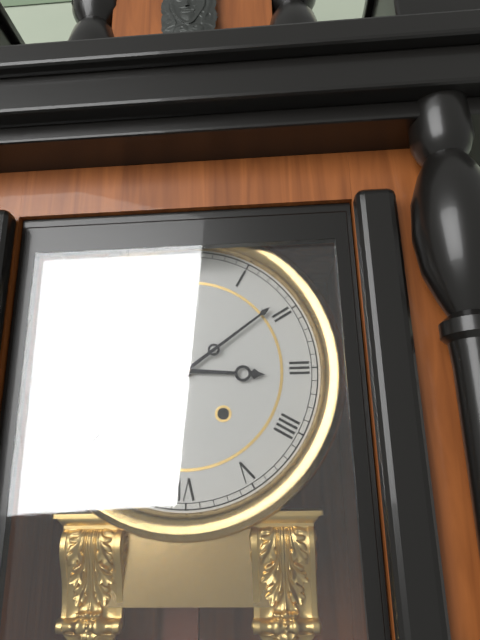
**3:09**
